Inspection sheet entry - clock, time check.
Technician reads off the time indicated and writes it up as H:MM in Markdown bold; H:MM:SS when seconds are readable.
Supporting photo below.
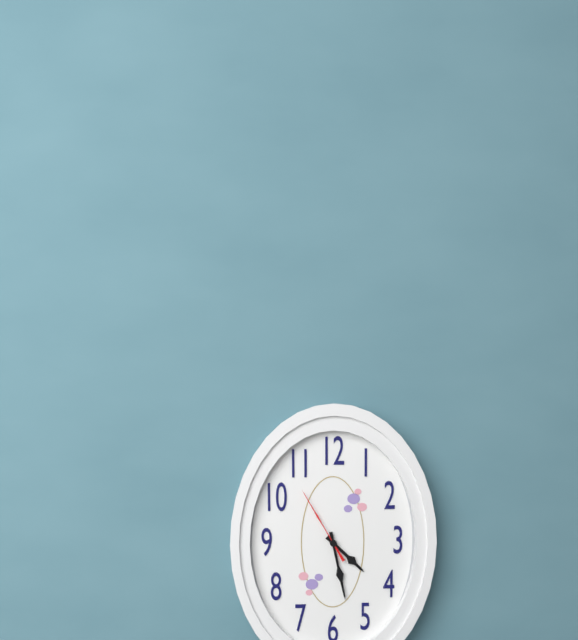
**4:28:55**
